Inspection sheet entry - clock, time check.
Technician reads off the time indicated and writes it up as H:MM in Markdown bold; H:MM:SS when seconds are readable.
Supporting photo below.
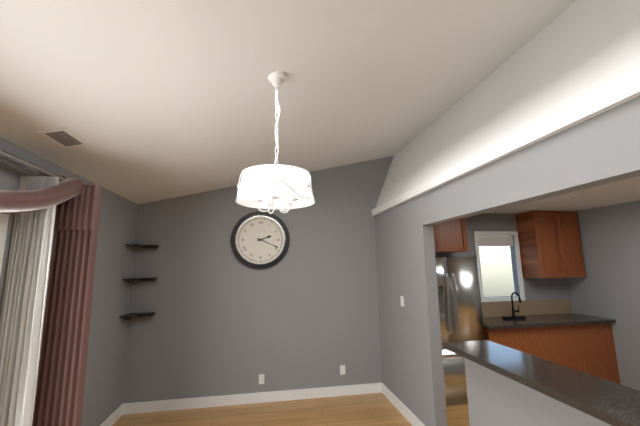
**2:19**
